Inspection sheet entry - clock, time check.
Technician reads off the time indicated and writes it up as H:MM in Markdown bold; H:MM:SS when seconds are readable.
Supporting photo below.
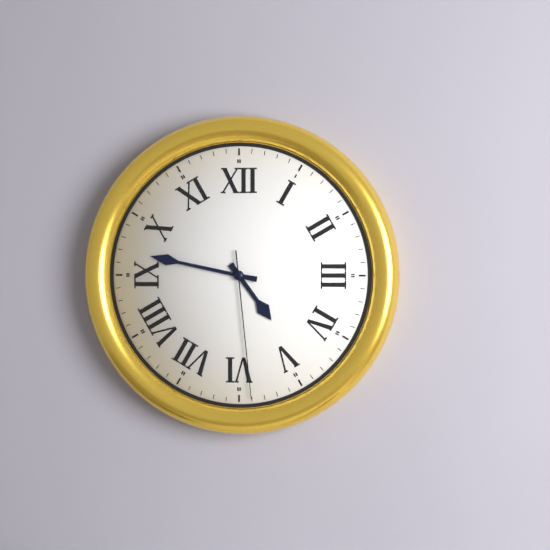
**4:47:29**
